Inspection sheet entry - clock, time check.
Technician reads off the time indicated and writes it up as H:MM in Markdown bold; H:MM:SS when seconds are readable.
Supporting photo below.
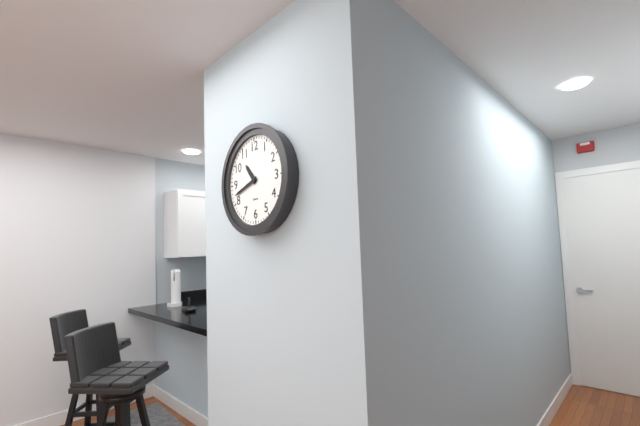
**10:42**
